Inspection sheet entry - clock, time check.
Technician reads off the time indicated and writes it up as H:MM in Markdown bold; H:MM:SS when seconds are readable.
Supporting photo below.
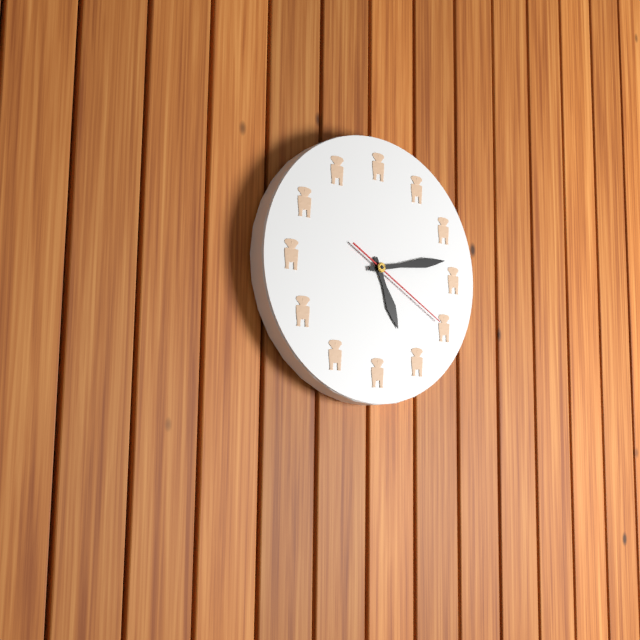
**5:13:20**
